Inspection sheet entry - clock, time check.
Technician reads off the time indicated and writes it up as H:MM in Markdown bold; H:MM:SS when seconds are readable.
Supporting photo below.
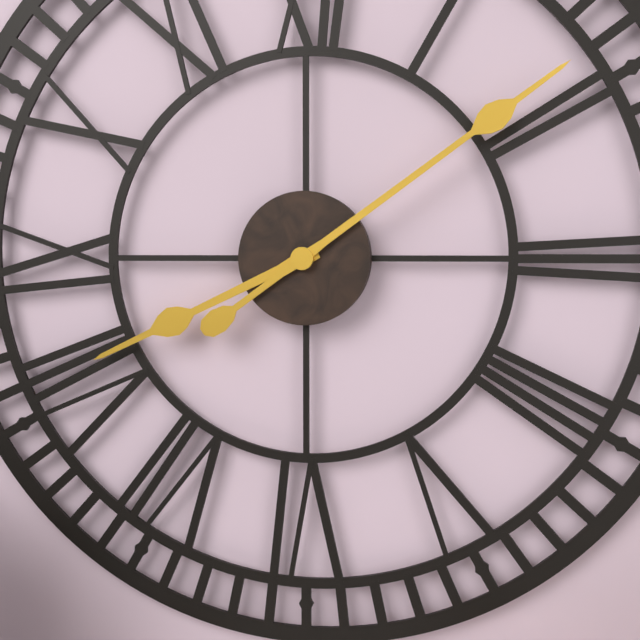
**8:09**
